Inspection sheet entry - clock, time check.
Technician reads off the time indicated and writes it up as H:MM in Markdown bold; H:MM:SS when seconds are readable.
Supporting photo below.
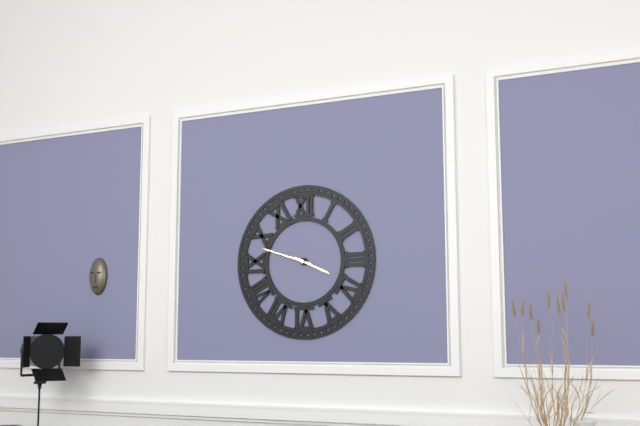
**3:48**
